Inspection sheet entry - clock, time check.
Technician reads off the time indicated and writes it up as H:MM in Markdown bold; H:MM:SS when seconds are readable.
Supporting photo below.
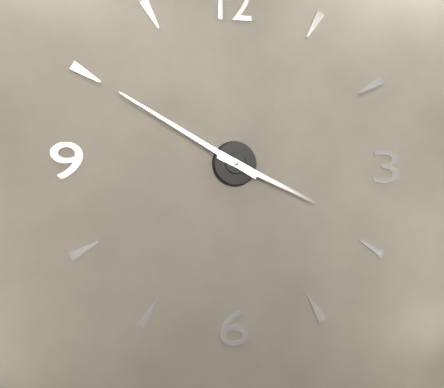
**3:50**
